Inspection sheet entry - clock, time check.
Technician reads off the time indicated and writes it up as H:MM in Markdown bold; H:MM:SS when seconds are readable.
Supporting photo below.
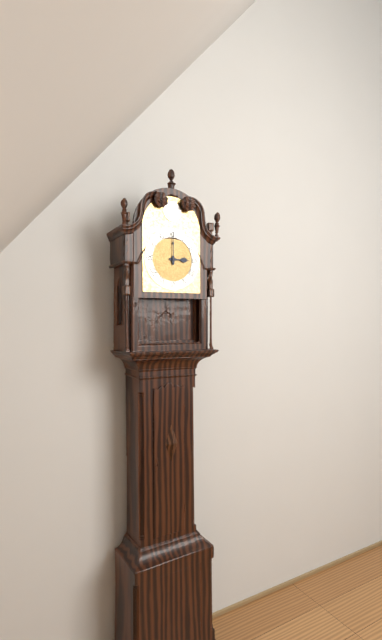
**3:00**
